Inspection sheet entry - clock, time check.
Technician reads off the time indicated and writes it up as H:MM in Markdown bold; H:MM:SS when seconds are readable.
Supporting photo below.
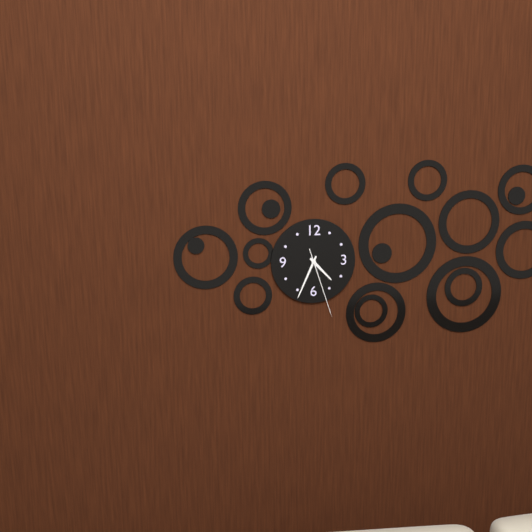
**4:34:27**
